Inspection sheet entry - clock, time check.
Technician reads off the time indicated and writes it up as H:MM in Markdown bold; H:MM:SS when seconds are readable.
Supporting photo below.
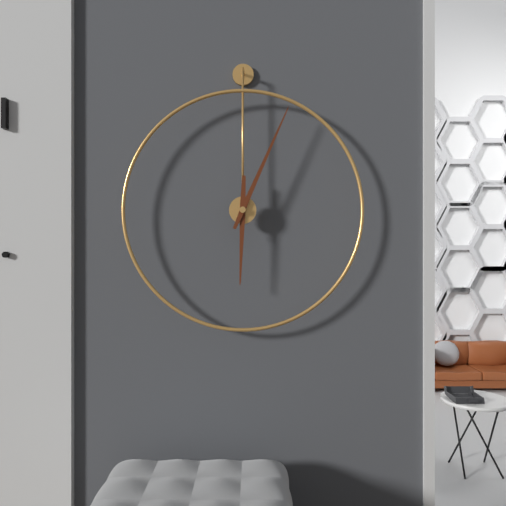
**6:04**
